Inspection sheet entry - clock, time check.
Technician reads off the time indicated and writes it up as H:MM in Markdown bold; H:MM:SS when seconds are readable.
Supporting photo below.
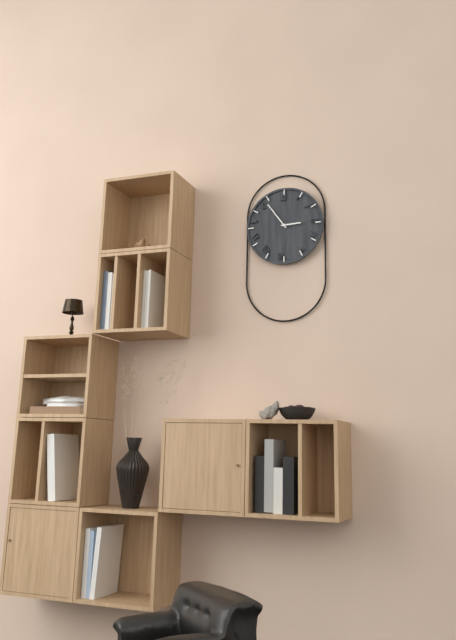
**2:54**
